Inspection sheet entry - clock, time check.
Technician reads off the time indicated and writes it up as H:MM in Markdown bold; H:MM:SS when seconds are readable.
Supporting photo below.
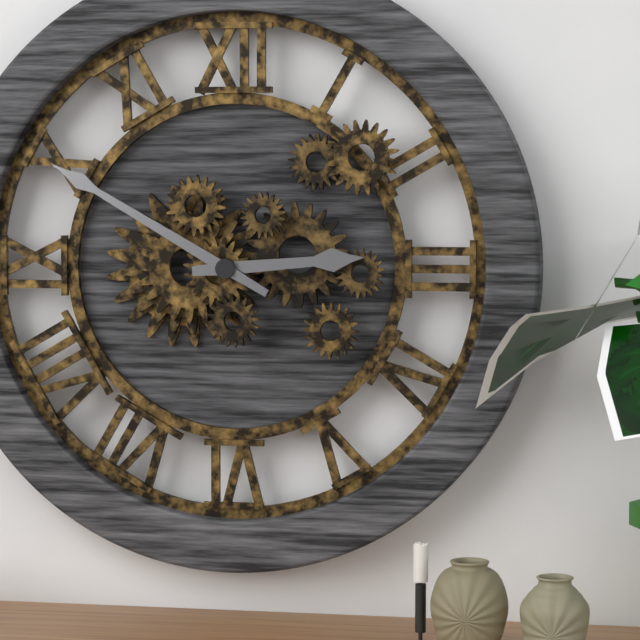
**2:50**
